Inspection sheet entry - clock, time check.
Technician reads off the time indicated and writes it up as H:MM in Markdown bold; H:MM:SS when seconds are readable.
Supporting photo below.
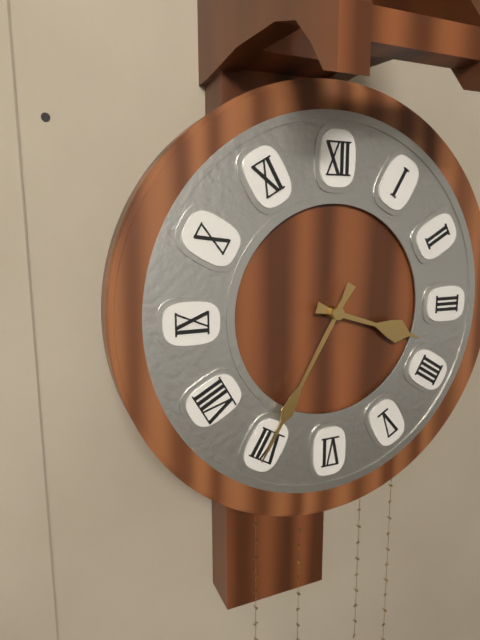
**3:35**
